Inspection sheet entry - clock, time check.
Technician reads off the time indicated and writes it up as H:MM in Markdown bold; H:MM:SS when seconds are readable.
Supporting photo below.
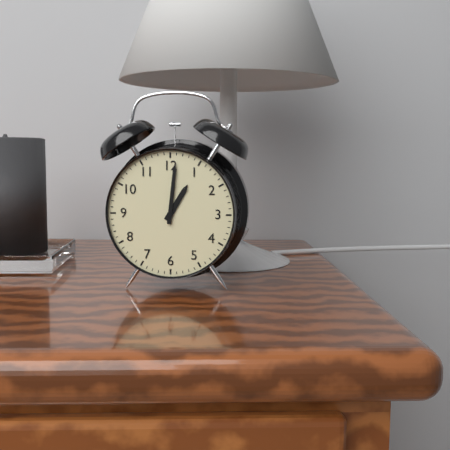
**1:01**
